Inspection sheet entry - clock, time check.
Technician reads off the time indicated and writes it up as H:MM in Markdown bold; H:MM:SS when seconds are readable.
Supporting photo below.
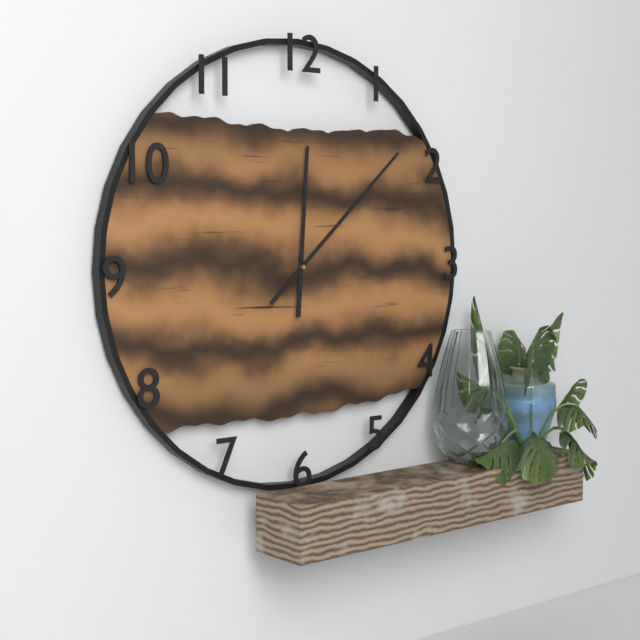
**12:08**
